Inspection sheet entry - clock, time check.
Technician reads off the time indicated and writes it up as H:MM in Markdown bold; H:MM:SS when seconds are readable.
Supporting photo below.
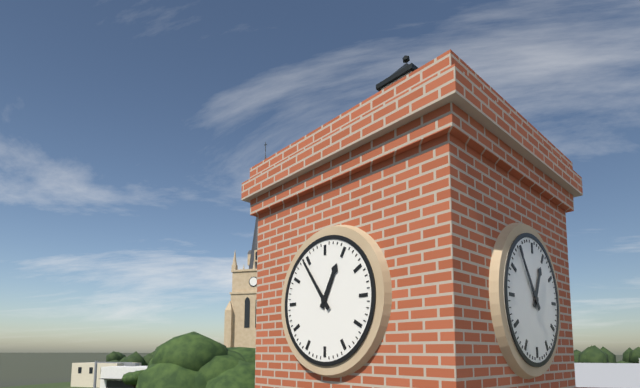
**12:54**
